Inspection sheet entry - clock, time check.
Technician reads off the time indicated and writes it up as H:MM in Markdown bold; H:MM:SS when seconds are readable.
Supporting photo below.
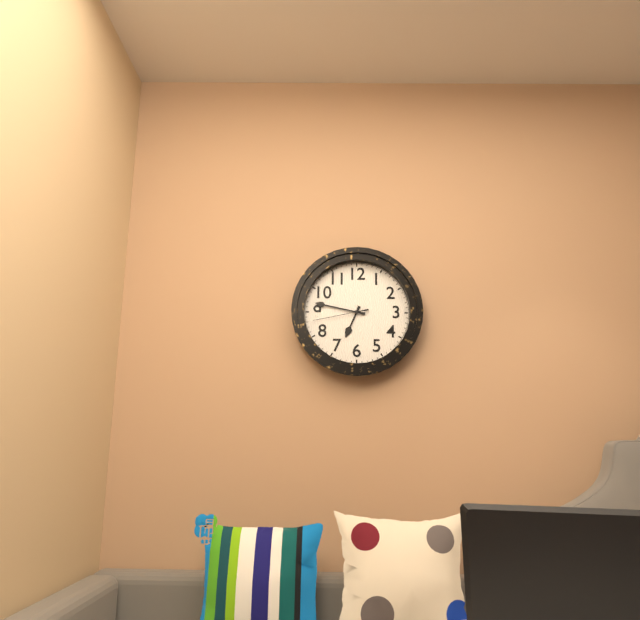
**6:47:43**
